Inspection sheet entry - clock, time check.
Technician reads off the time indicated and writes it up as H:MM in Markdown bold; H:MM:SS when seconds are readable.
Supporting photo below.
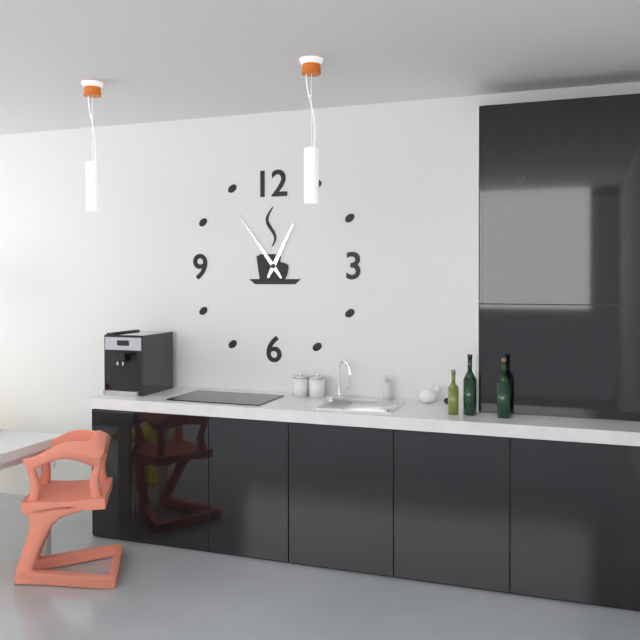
**12:54**
